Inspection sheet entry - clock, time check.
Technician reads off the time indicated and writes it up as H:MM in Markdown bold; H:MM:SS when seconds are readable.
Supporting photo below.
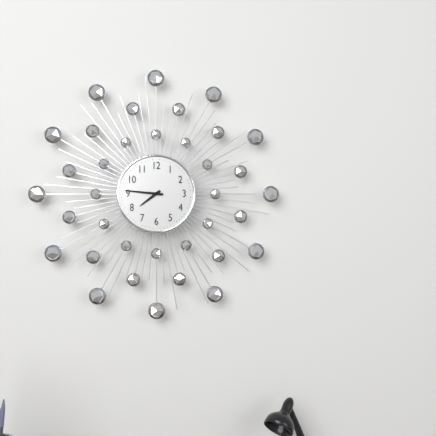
**7:46**
